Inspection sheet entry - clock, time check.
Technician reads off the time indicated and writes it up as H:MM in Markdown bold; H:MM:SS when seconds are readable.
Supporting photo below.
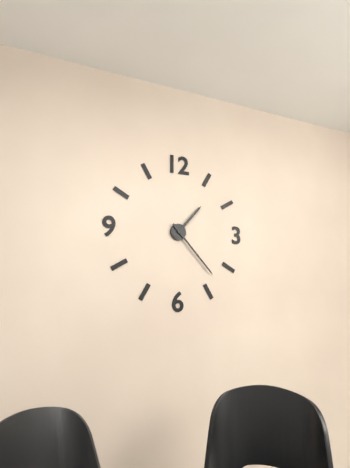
**1:23**
